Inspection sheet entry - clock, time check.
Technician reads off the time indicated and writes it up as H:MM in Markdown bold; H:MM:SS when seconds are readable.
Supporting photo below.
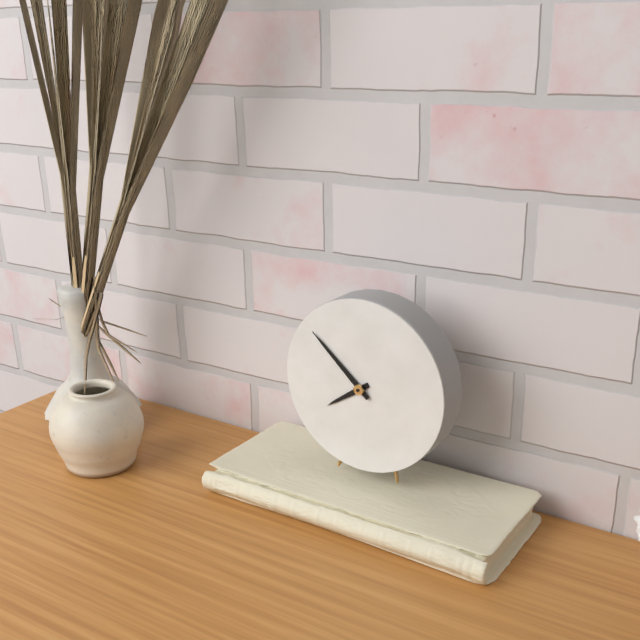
**7:52**
